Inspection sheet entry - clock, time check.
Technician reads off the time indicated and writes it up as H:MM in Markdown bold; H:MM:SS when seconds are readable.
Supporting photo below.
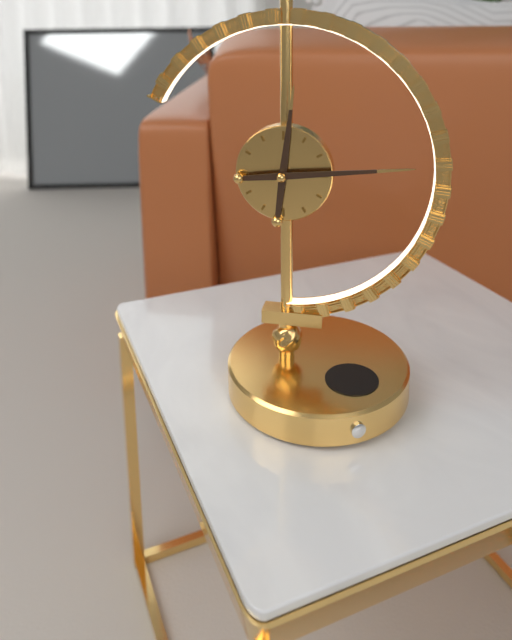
**12:14**
